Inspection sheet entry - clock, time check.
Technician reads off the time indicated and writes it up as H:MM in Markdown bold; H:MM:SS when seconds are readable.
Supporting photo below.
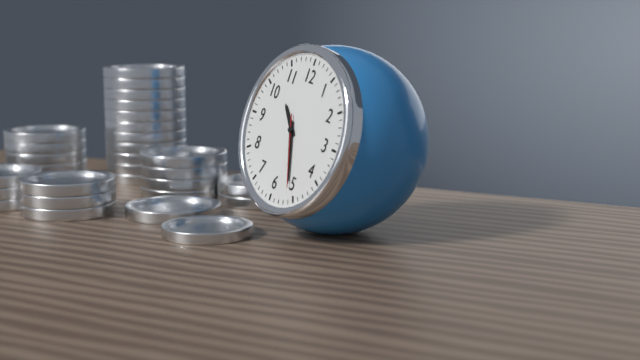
**10:26:26**
